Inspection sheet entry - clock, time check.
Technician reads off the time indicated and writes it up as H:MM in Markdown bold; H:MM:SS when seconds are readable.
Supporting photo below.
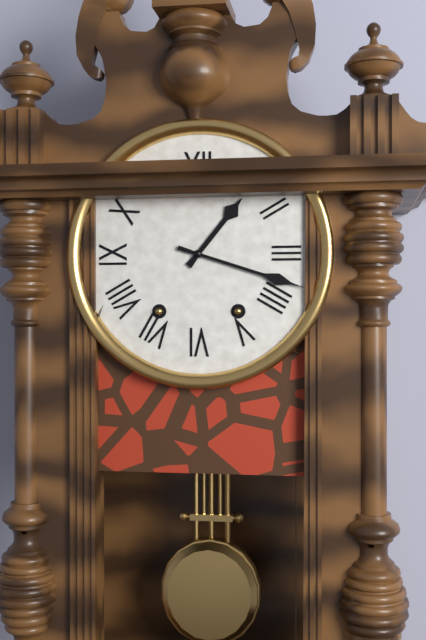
**1:18**
